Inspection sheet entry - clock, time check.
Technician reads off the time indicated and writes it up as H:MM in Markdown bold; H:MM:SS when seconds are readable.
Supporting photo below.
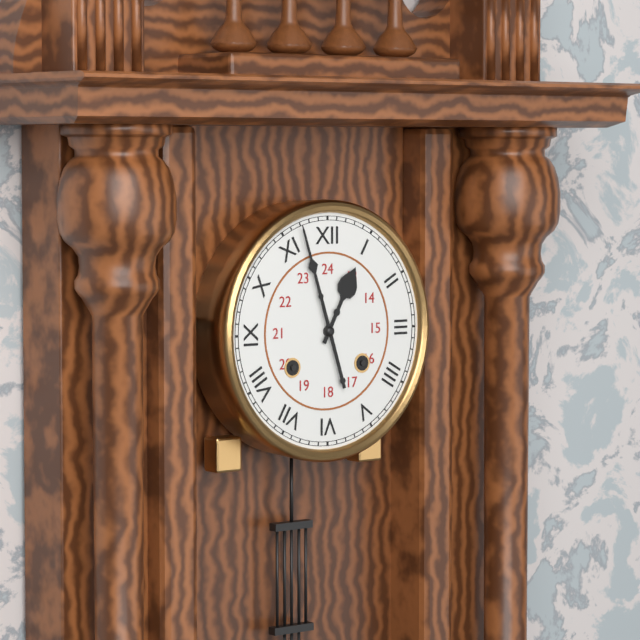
**12:57**
